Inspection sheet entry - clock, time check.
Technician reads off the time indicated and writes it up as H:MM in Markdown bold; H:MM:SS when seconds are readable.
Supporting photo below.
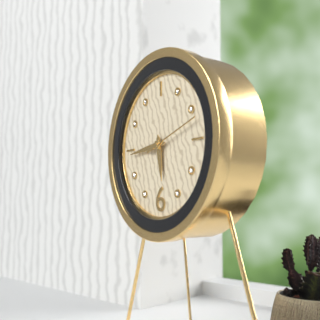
**5:44**
